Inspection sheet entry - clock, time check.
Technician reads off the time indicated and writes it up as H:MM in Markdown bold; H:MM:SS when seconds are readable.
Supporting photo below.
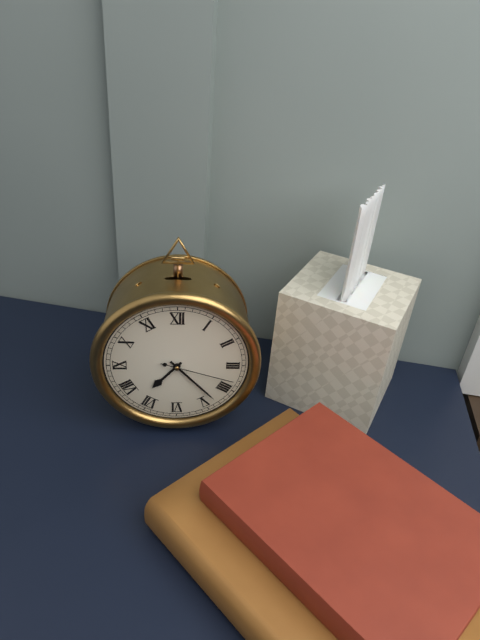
**7:23:18**
